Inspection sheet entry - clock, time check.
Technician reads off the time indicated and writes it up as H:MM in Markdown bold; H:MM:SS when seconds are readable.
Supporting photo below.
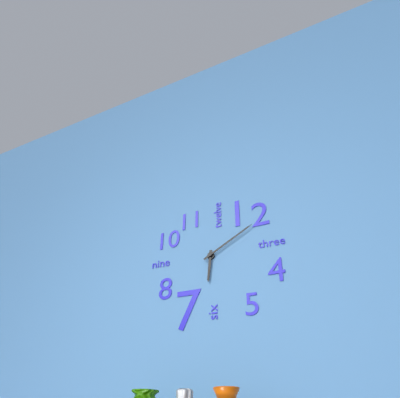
**6:10**
